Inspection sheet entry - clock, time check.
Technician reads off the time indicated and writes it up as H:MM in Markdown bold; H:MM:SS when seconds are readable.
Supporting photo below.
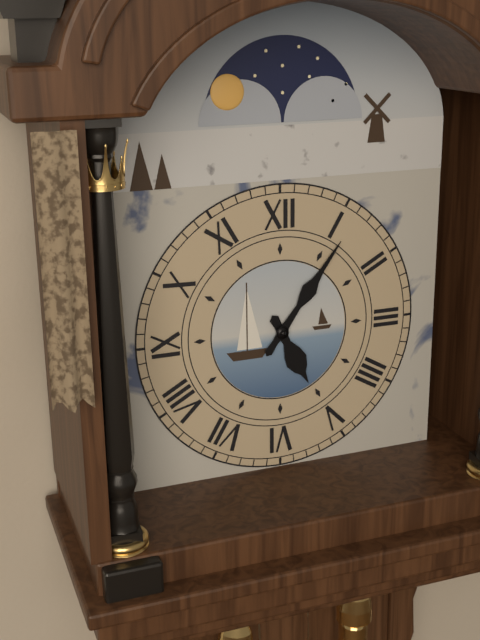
**5:06**
